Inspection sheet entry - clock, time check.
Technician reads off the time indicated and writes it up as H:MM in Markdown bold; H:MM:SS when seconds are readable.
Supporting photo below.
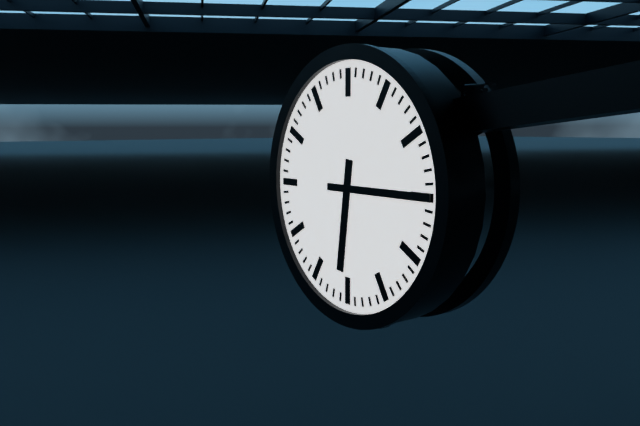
**6:15**
